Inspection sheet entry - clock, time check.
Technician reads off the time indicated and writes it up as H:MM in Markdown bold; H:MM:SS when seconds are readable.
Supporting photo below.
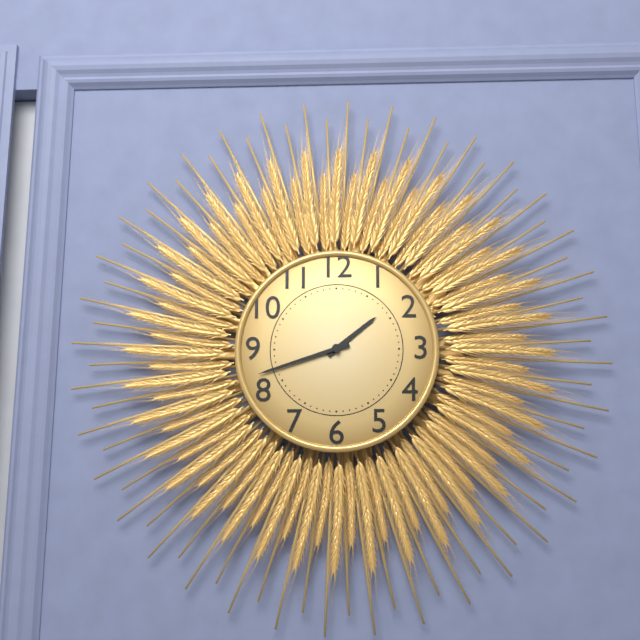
**1:42**
